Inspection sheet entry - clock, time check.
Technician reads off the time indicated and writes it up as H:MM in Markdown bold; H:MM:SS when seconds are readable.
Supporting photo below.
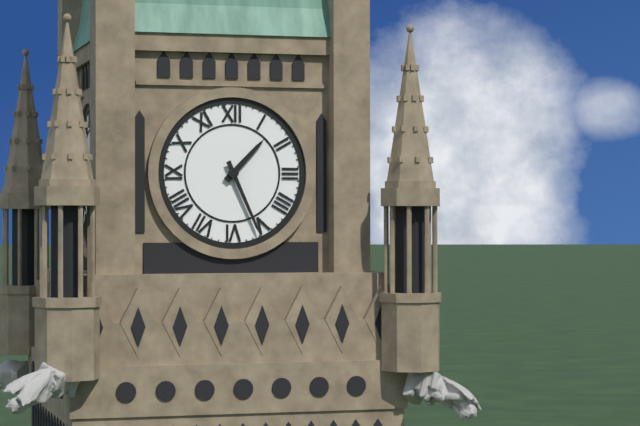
**1:26**
